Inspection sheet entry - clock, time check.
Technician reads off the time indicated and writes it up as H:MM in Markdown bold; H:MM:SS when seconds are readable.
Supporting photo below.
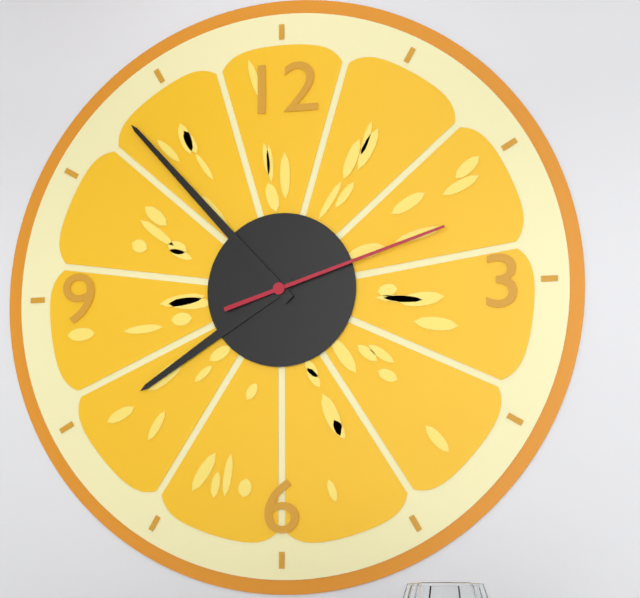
**7:53:12**
